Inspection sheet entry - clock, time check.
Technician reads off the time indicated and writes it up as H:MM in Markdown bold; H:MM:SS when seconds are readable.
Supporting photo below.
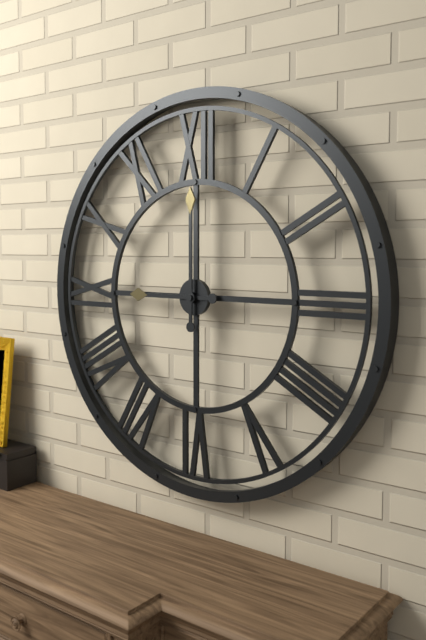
**9:00**
